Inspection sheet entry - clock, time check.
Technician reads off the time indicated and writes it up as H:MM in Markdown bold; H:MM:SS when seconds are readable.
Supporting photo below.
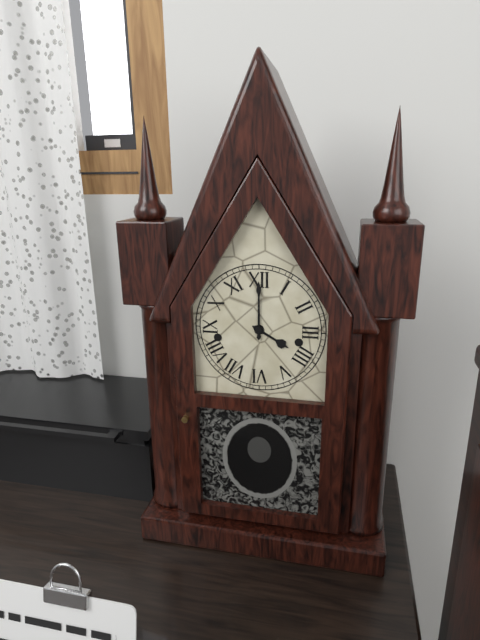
**4:00**
